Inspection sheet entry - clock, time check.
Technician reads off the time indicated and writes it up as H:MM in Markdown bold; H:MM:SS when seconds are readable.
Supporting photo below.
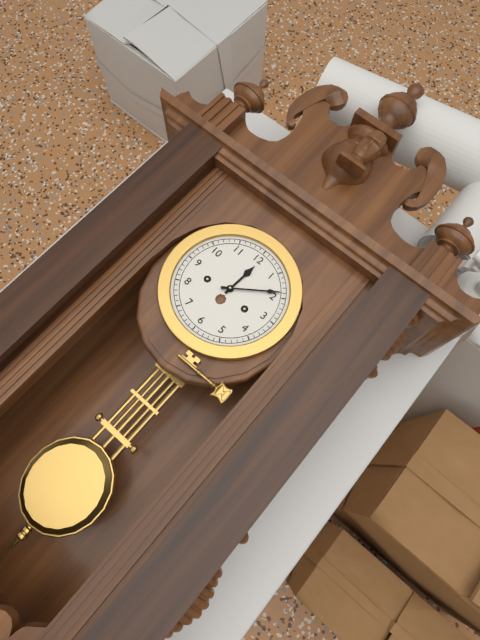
**12:09**
